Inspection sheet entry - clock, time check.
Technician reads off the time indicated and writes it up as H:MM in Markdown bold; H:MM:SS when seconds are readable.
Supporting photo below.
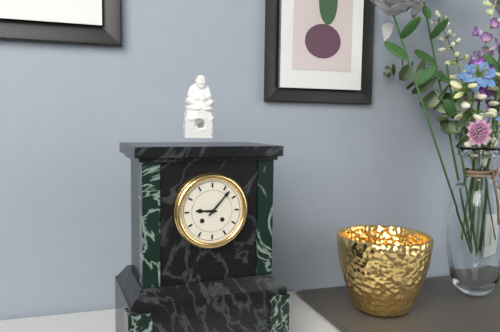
**9:07**
